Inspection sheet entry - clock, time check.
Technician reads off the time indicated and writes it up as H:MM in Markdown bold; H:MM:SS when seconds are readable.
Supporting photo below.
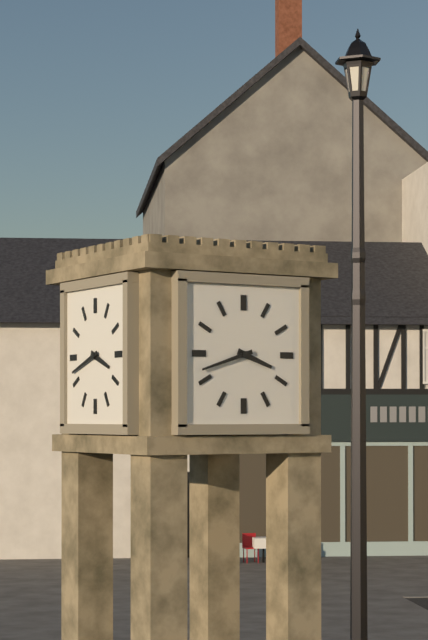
**3:42**
